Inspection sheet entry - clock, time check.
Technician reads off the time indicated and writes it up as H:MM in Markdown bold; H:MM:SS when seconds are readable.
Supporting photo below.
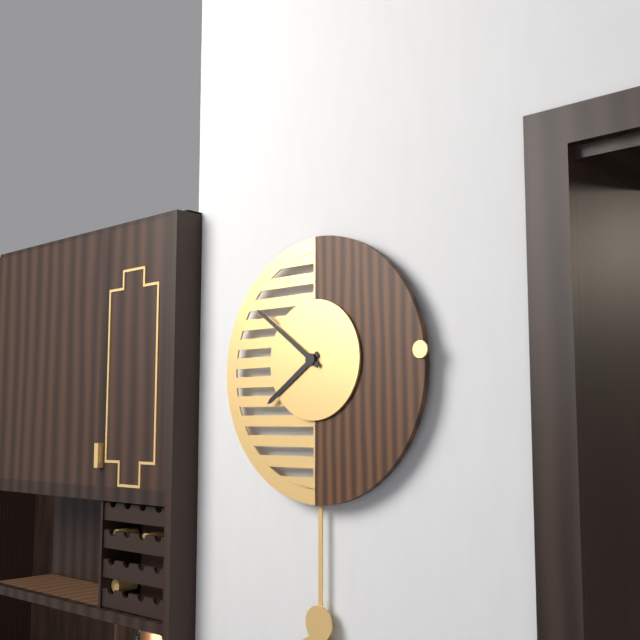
**7:51**
